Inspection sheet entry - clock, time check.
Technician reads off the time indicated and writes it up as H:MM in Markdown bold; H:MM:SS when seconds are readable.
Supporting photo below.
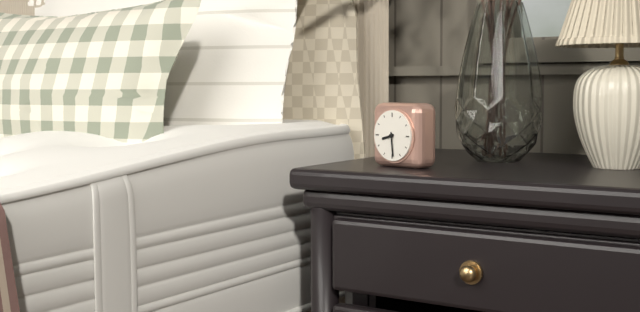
**8:29**
